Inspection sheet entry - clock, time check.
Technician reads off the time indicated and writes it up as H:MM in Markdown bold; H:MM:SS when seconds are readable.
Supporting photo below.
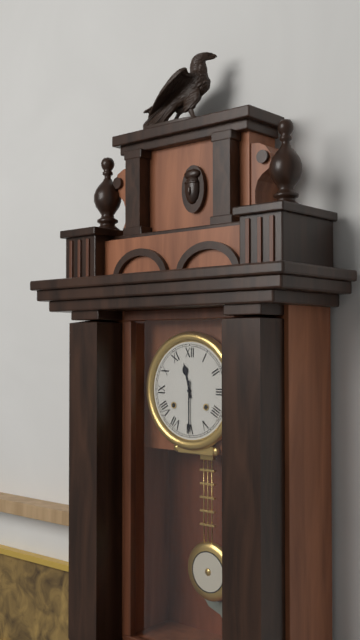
**11:30**
